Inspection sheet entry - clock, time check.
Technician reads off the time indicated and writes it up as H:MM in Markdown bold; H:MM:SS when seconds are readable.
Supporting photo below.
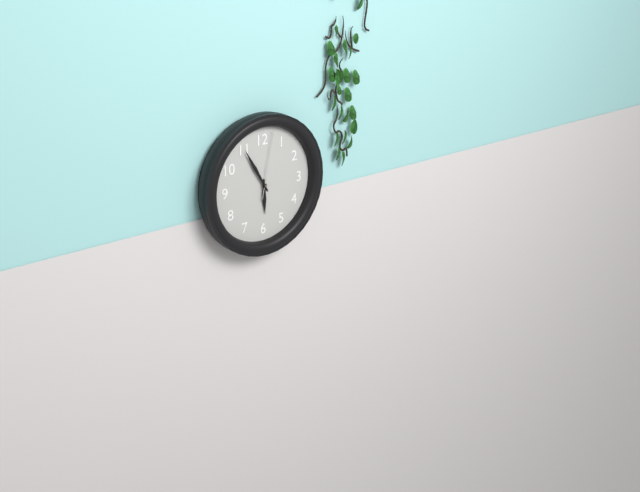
**5:55:02**
